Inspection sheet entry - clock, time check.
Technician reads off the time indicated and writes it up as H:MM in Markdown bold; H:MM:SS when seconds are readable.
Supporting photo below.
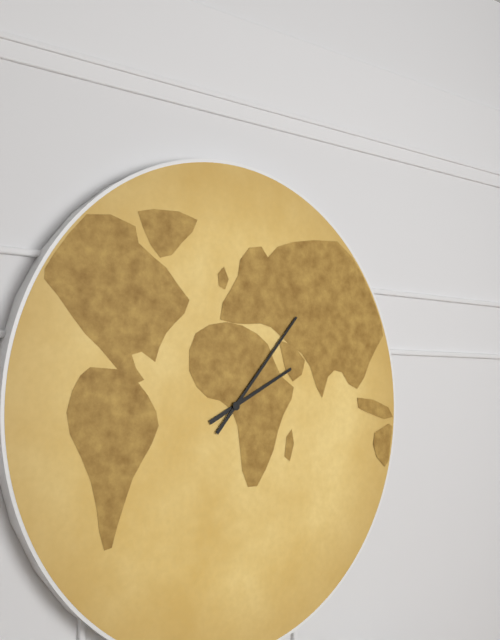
**2:07**
